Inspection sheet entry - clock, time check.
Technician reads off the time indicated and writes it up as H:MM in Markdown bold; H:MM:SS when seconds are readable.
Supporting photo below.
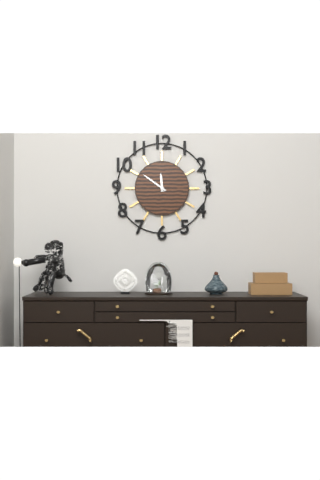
**11:51**
